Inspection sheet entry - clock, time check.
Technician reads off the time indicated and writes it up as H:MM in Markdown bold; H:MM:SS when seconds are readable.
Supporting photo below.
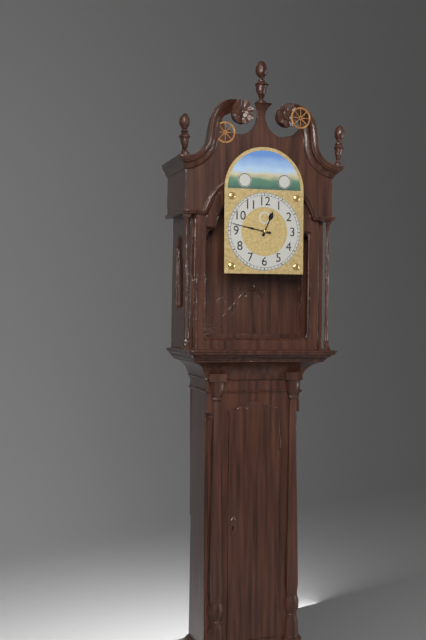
**12:47**
